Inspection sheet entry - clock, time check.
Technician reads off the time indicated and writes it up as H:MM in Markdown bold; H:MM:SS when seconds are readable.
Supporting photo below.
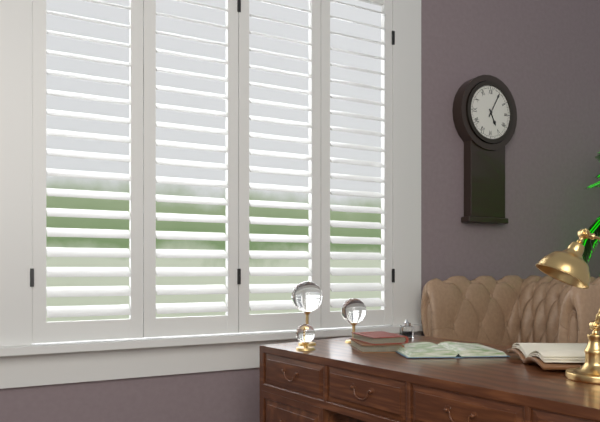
**5:05**
